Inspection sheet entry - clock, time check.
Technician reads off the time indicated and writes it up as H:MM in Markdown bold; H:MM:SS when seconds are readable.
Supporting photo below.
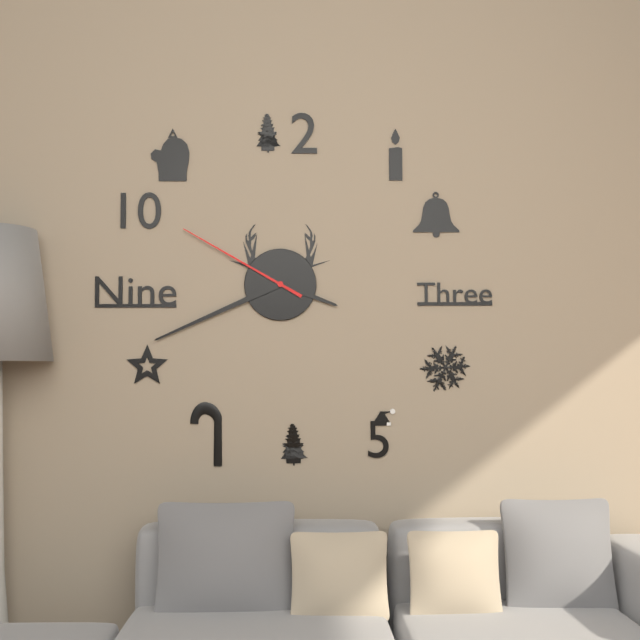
**3:41:50**
